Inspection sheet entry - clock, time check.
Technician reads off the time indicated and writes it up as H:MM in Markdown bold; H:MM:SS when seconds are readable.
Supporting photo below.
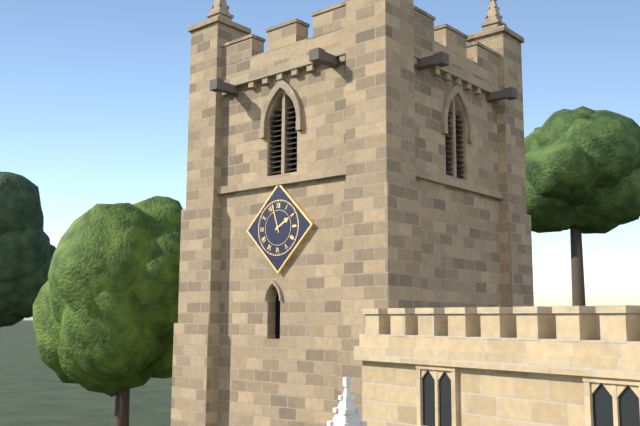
**1:57**
